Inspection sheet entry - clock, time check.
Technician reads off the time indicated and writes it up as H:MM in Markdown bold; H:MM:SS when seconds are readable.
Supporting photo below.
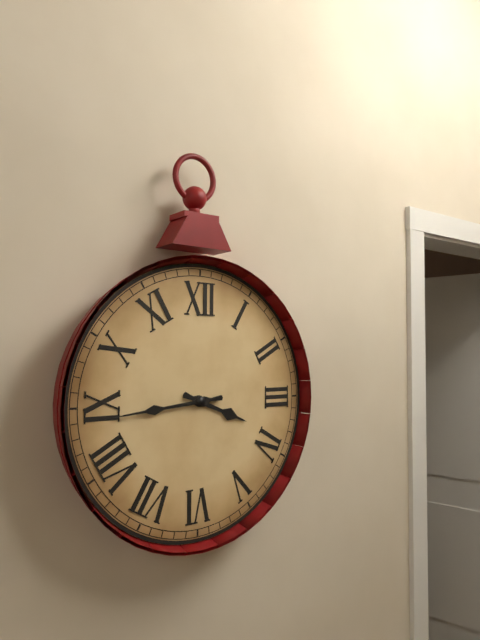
**3:44**
